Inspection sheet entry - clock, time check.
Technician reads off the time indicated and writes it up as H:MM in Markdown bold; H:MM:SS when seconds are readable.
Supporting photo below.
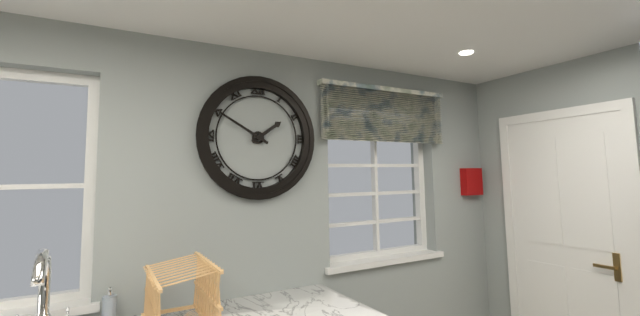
**1:50**
